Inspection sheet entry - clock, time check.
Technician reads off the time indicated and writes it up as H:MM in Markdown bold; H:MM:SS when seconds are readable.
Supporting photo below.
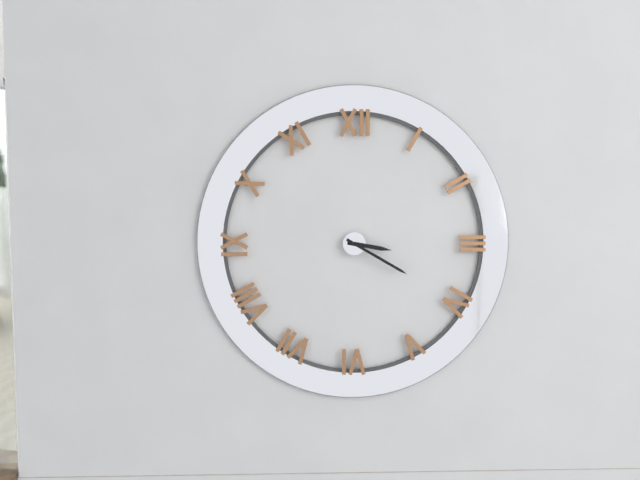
**3:20**
